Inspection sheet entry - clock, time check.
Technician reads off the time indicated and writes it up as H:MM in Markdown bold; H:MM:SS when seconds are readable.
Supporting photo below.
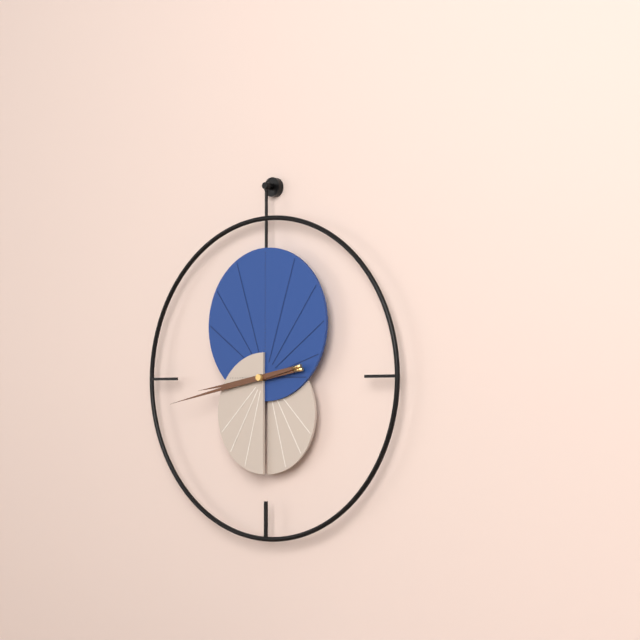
**8:43**
